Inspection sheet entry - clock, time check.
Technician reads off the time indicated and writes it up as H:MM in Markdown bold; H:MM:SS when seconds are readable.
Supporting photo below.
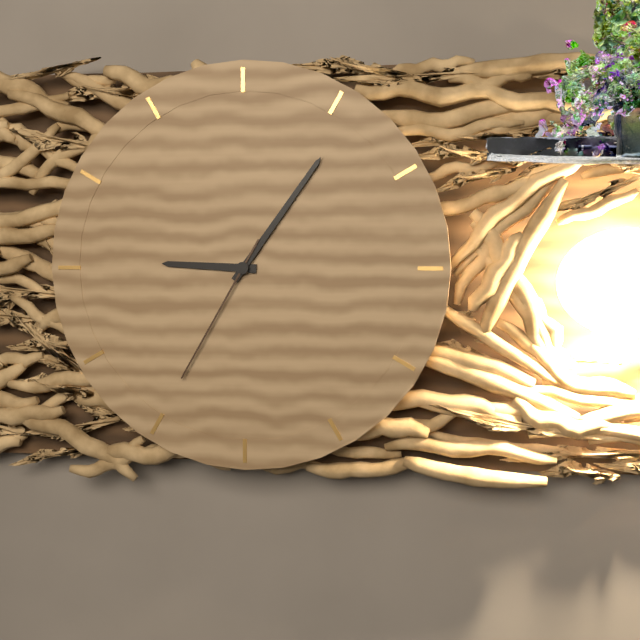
**9:06:35**
